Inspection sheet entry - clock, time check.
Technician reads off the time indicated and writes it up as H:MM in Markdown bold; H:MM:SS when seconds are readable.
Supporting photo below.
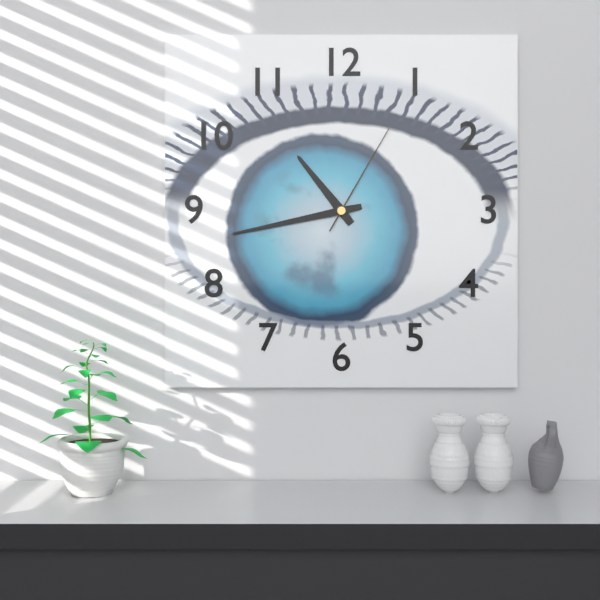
**10:43:05**
